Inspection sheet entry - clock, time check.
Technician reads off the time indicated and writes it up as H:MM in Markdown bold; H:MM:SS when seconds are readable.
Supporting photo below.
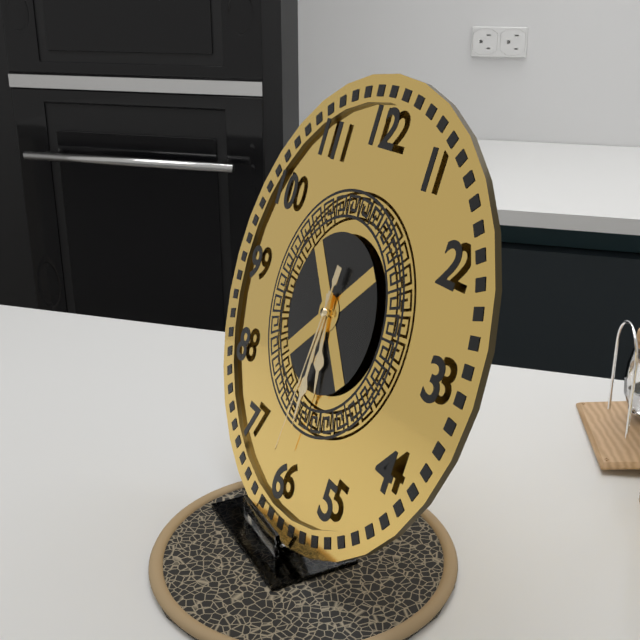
**5:30:31**
